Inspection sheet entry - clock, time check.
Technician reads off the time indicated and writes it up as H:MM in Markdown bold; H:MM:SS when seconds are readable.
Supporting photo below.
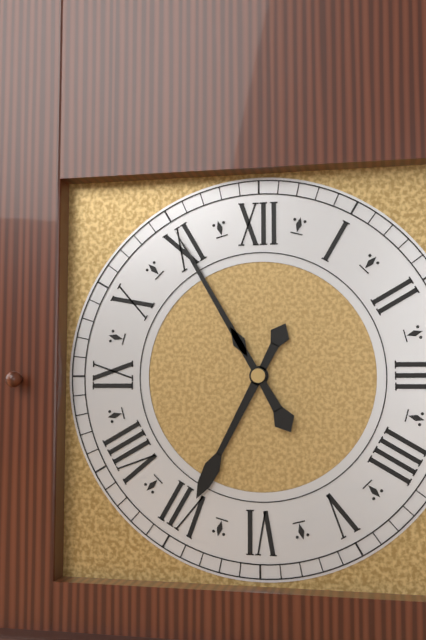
**6:55**
